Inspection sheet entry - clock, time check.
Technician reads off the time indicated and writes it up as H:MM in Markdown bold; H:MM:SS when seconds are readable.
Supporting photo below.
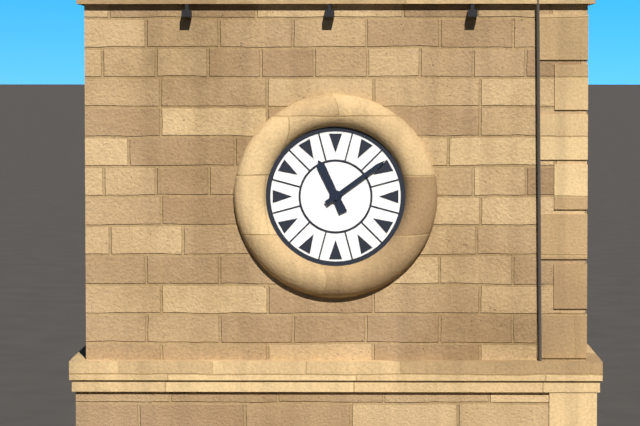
**11:09**
